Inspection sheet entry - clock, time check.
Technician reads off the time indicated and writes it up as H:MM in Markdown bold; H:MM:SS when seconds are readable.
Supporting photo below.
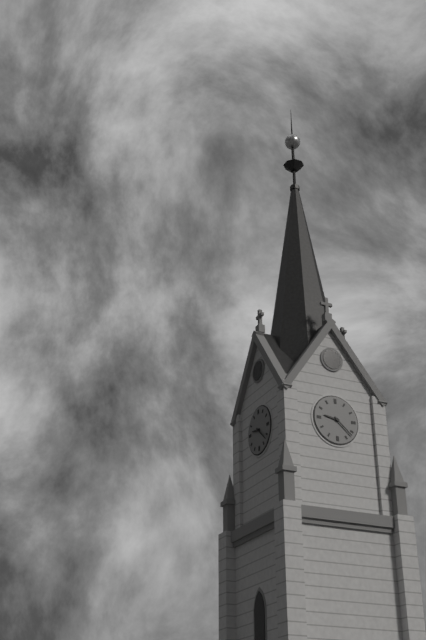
**9:22**
